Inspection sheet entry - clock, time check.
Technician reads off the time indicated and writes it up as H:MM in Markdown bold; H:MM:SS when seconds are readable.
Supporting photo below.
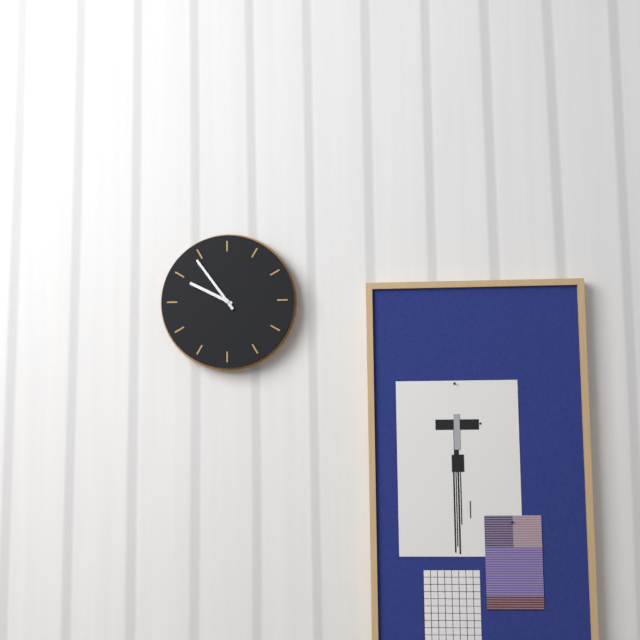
**9:54**
